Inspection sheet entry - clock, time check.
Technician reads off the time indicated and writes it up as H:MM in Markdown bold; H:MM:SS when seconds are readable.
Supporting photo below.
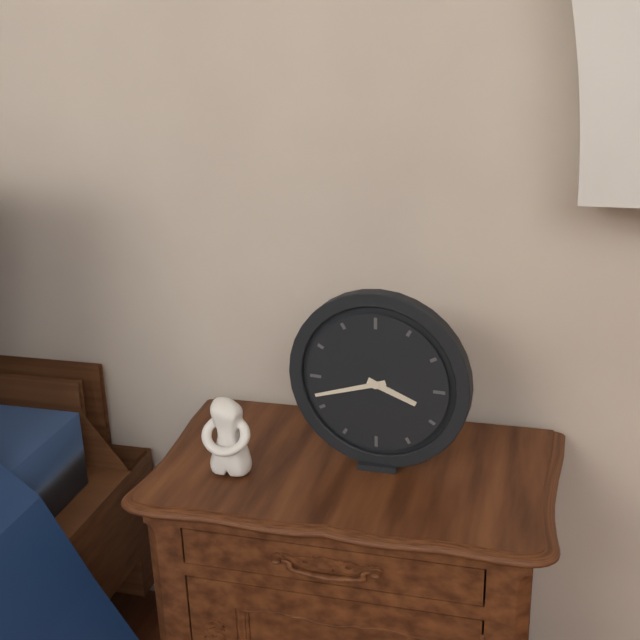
**3:42**
